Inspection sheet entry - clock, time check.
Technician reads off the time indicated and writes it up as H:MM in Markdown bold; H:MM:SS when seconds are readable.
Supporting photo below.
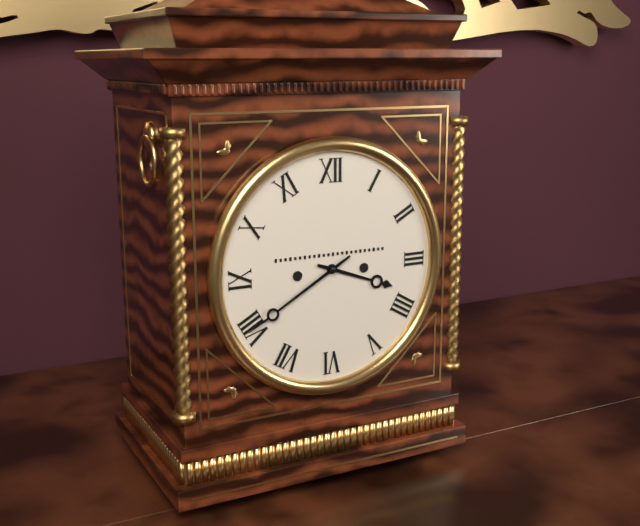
**3:40**
